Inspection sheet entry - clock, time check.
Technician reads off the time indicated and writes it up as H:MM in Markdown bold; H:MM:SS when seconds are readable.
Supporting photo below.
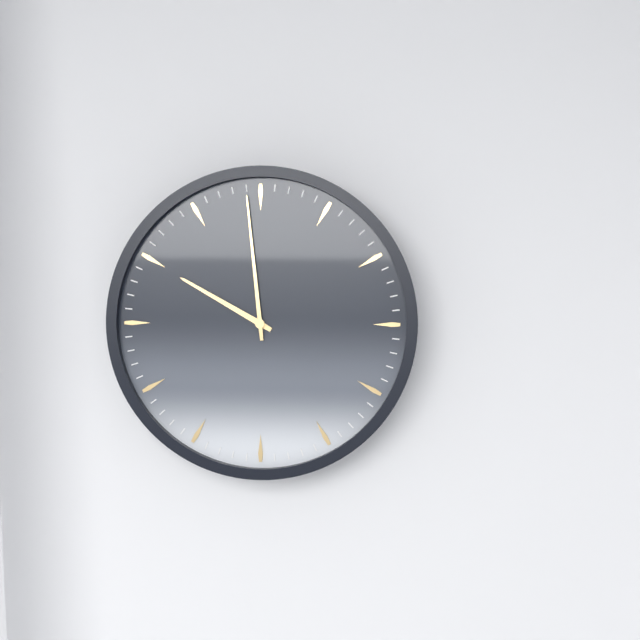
**9:59**
